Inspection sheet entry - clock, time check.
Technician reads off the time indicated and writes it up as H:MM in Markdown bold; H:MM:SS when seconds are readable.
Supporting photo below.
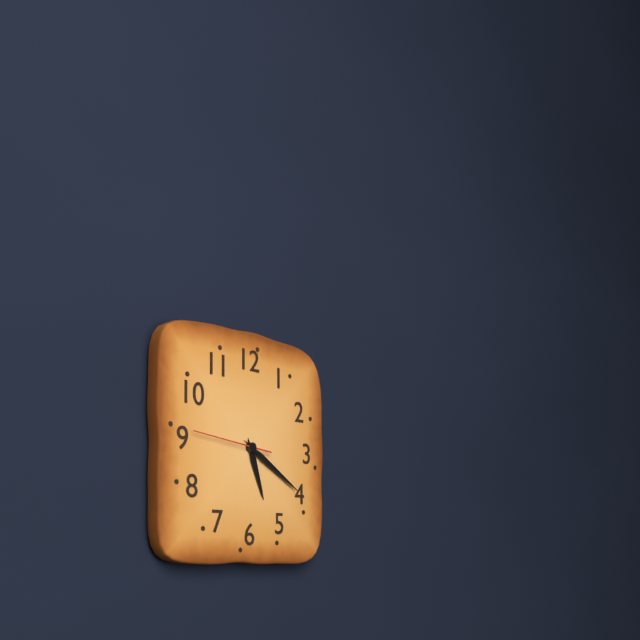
**5:20:46**
